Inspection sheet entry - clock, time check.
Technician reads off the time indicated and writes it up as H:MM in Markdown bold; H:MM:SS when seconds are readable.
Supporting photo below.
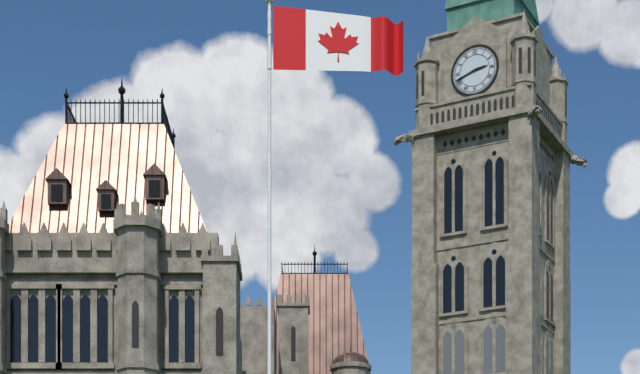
**2:42**
